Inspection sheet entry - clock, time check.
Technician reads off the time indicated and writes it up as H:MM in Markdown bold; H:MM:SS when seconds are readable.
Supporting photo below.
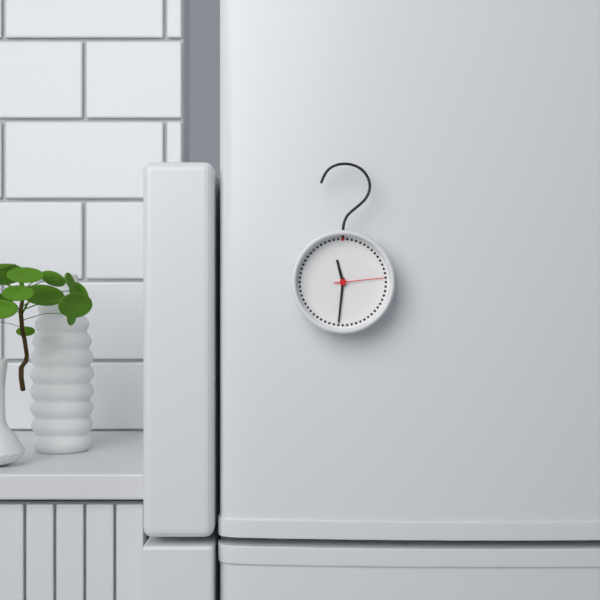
**11:31:14**
